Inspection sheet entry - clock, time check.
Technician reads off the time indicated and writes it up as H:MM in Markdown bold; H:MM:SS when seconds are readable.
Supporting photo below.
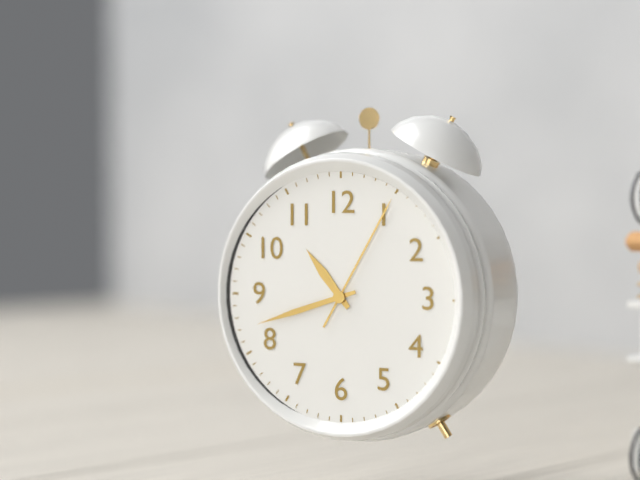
**10:42:05**
